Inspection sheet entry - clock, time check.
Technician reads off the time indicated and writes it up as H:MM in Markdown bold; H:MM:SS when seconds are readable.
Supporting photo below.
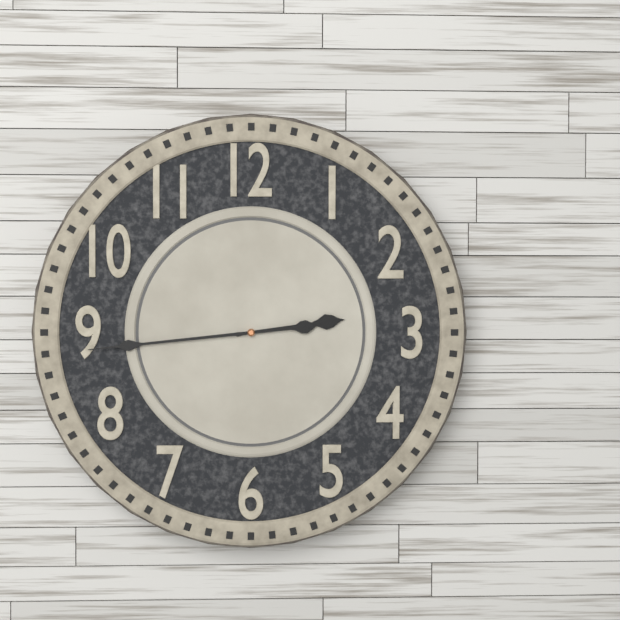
**2:44**
